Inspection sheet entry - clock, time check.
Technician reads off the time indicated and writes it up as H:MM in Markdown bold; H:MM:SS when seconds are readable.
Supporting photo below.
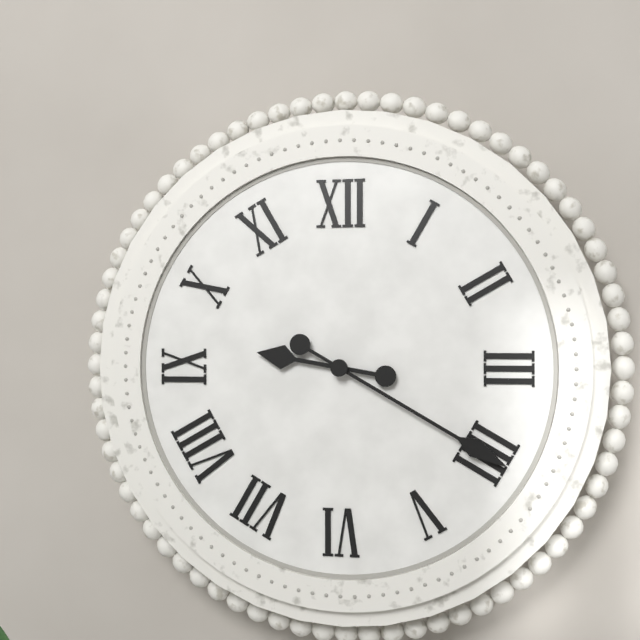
**9:20**
